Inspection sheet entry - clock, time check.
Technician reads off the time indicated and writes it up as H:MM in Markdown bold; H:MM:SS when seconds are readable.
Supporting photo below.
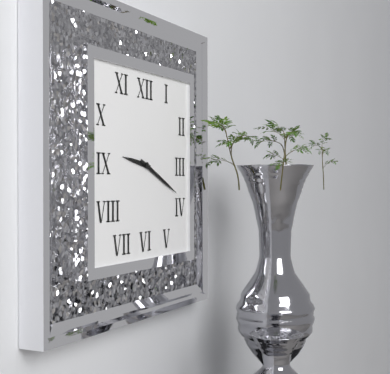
**9:19**
